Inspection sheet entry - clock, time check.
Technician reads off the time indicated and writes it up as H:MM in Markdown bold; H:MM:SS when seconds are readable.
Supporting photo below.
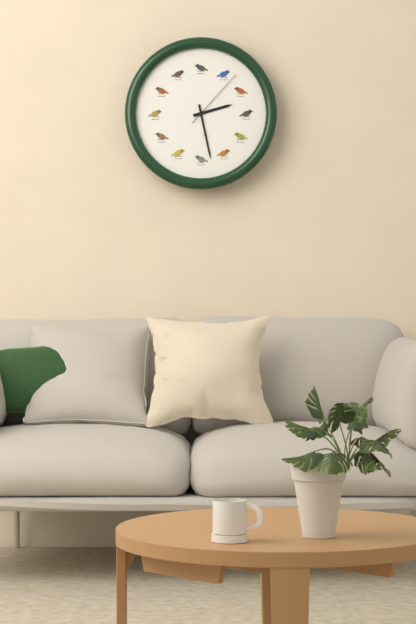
**2:28:07**
